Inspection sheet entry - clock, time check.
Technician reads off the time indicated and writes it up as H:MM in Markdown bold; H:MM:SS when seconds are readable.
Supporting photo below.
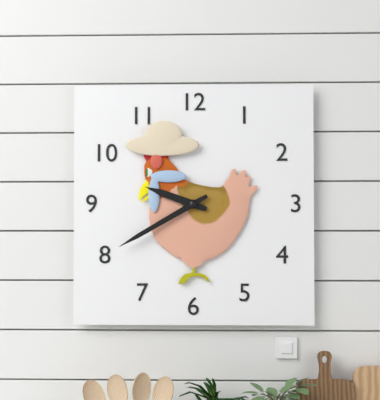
**9:40**
